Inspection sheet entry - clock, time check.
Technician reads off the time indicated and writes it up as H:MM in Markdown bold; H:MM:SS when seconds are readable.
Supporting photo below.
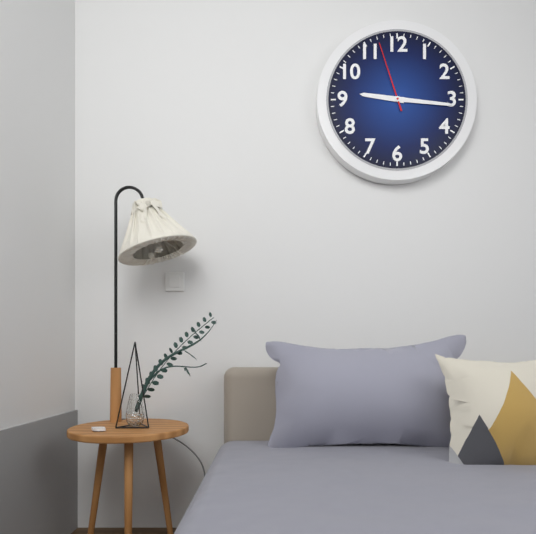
**9:16:57**
